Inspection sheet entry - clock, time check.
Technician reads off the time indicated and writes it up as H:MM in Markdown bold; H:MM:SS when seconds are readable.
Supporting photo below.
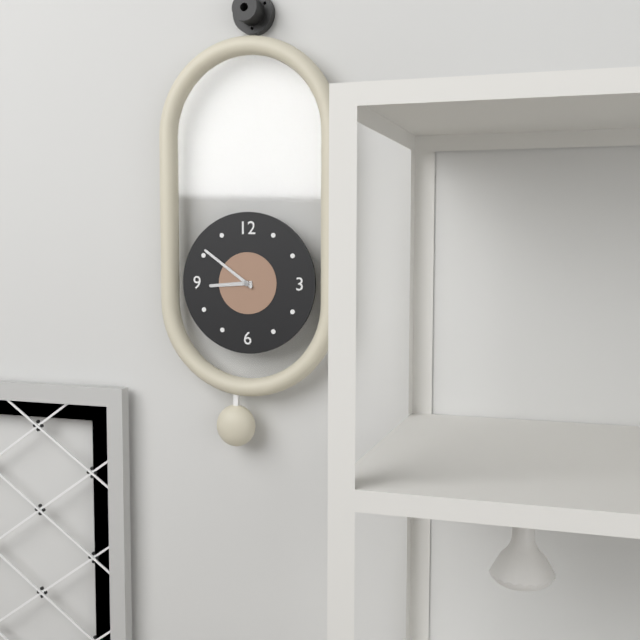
**8:51**
